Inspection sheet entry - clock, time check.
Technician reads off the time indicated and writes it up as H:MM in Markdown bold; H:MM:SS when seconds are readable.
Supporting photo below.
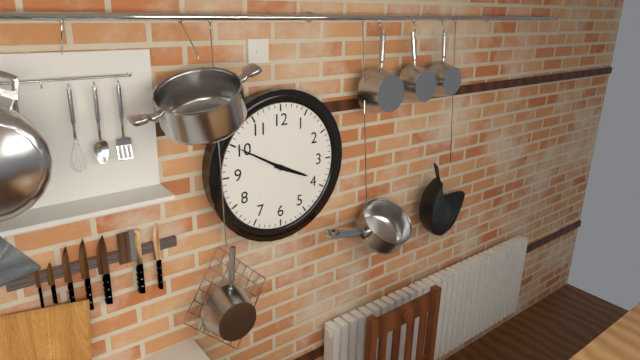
**3:50**
